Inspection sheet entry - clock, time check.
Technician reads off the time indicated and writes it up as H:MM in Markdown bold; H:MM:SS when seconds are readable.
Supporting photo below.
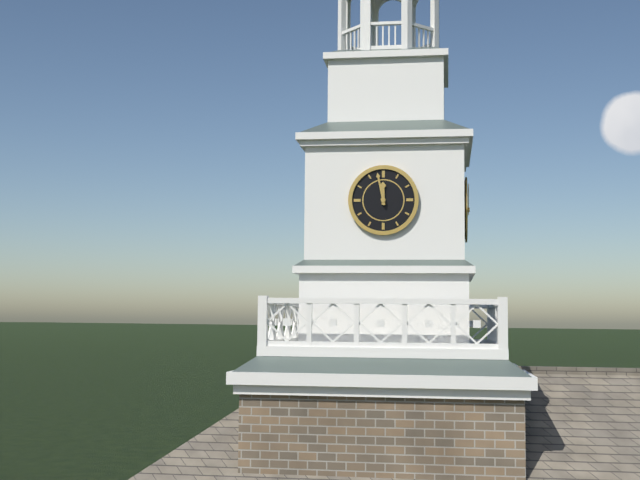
**11:58**
